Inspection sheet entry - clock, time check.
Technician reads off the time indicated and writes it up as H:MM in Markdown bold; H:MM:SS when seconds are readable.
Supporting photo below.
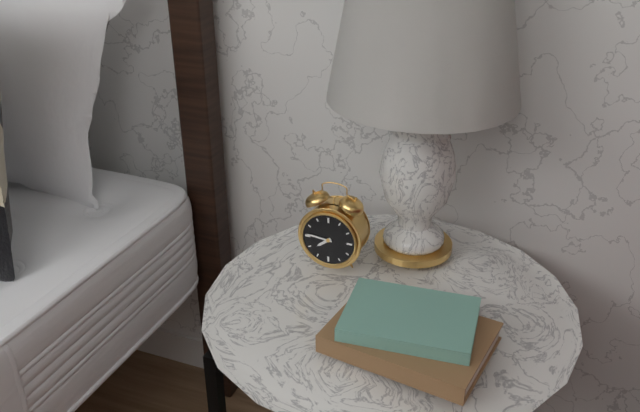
**7:46**
